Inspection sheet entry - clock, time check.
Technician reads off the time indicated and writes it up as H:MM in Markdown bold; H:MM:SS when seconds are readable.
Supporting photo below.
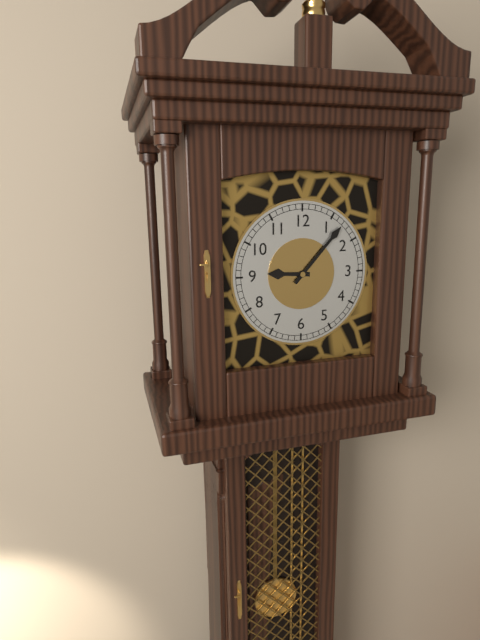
**9:07**
